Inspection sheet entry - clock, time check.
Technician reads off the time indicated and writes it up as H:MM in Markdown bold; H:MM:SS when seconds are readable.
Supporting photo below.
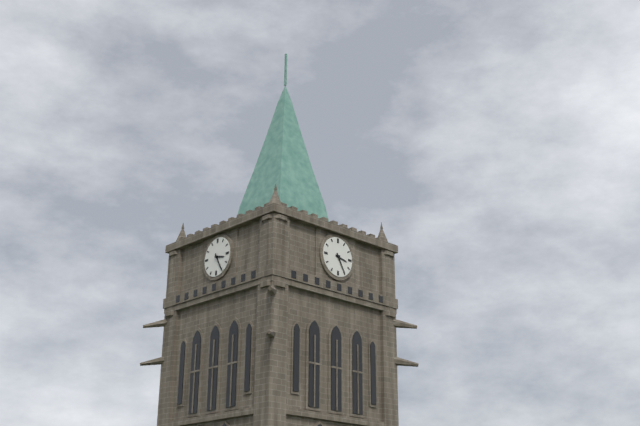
**3:25**
